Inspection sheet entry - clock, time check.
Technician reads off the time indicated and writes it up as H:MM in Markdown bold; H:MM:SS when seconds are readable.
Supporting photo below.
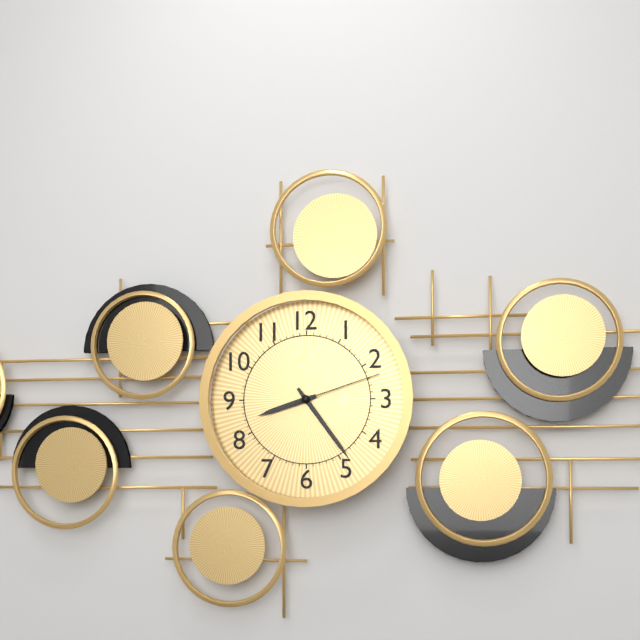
**8:24:12**
